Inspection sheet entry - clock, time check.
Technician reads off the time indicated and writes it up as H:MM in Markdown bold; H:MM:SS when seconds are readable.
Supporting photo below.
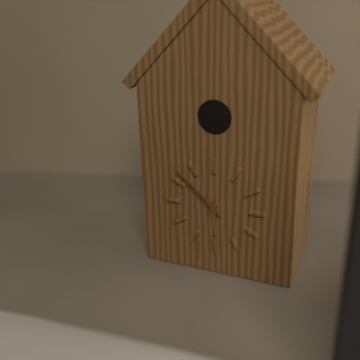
**5:52**
